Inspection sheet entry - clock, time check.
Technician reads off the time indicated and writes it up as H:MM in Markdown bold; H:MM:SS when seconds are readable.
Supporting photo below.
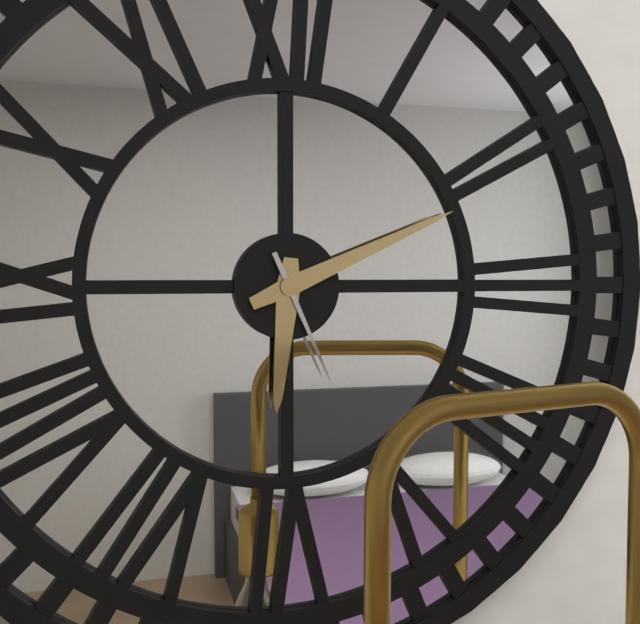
**6:11:26**
